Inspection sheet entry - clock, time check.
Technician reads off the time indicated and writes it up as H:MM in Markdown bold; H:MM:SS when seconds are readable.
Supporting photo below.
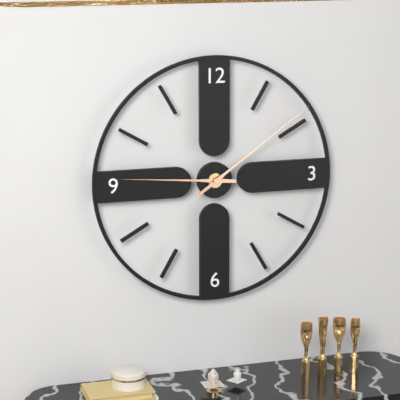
**9:09**
